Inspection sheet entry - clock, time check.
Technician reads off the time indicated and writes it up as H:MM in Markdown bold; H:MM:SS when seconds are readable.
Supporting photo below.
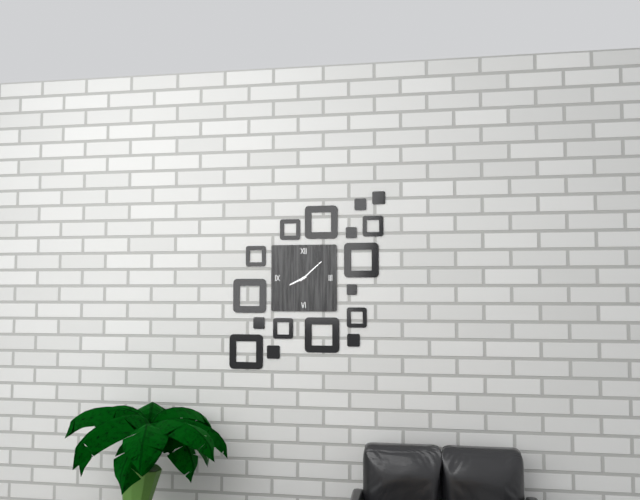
**8:08**
